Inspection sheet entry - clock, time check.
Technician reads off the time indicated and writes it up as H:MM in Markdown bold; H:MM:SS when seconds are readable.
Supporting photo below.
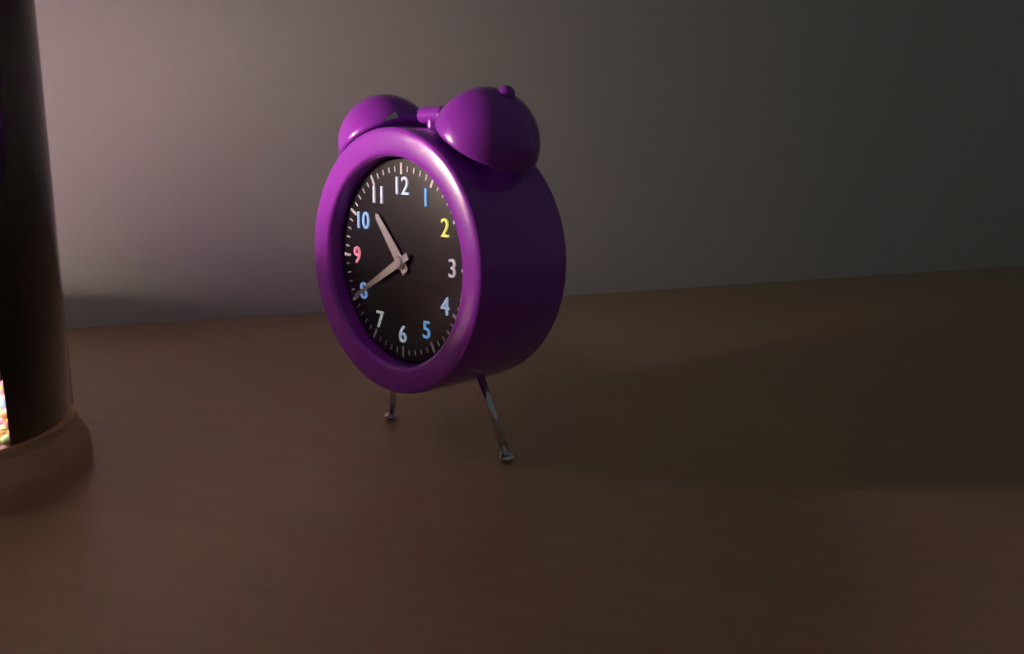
**10:40**
